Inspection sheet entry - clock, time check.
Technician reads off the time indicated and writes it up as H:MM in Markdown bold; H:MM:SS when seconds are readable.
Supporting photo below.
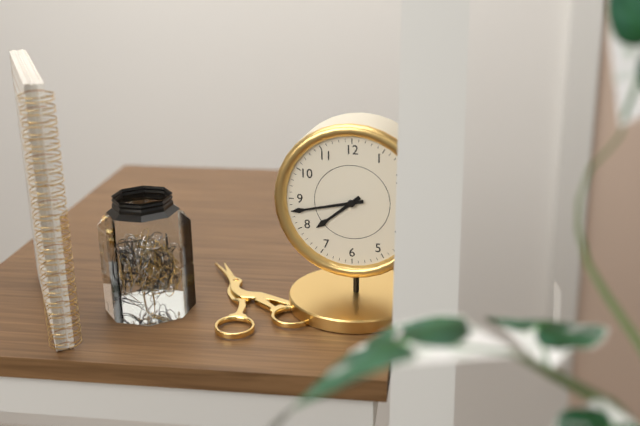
**7:43**
